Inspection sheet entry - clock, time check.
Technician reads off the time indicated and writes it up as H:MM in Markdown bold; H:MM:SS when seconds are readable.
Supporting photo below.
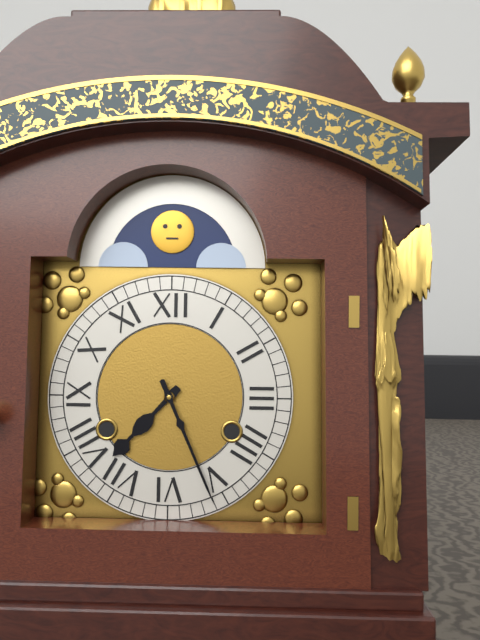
**7:26**
